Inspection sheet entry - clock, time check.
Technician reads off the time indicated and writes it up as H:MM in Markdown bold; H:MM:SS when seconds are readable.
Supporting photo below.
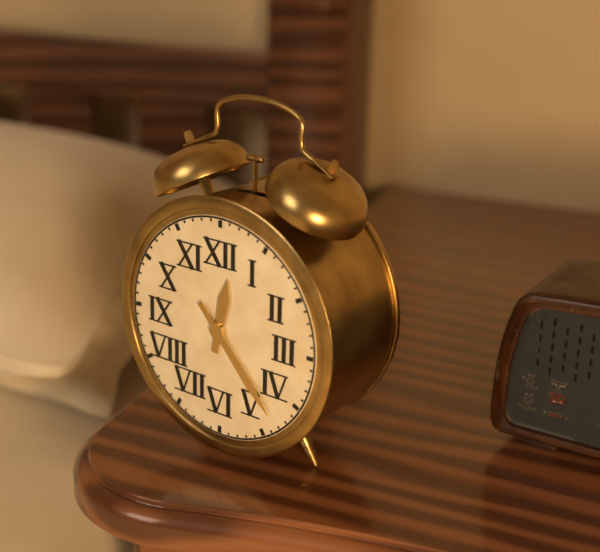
**12:23**
